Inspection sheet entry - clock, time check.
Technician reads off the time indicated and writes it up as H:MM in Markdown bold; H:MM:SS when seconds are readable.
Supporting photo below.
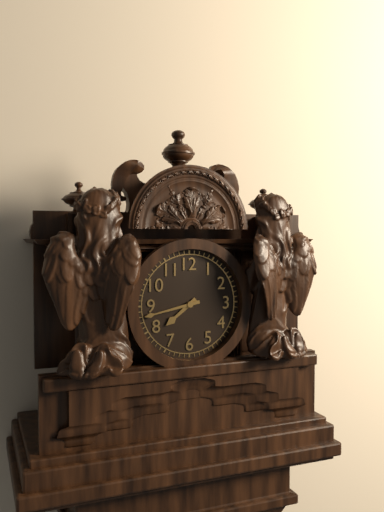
**7:43**
